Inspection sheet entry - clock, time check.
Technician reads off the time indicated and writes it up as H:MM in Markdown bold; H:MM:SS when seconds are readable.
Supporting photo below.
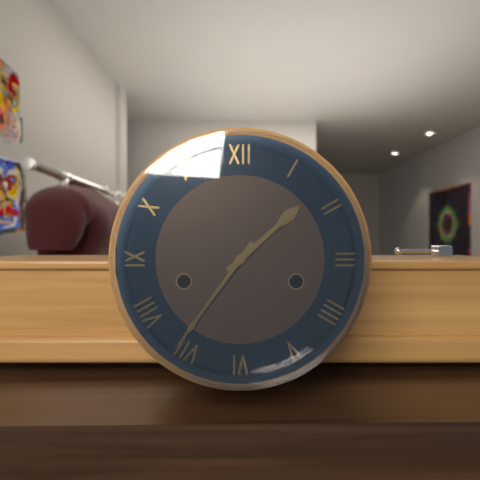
**1:36**
